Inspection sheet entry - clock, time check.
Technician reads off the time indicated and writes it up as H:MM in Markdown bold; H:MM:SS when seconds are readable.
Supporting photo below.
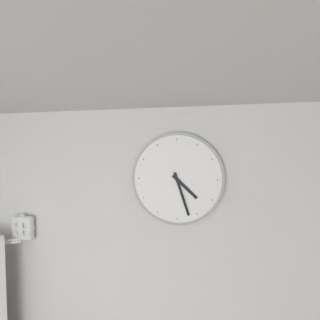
**4:27**
